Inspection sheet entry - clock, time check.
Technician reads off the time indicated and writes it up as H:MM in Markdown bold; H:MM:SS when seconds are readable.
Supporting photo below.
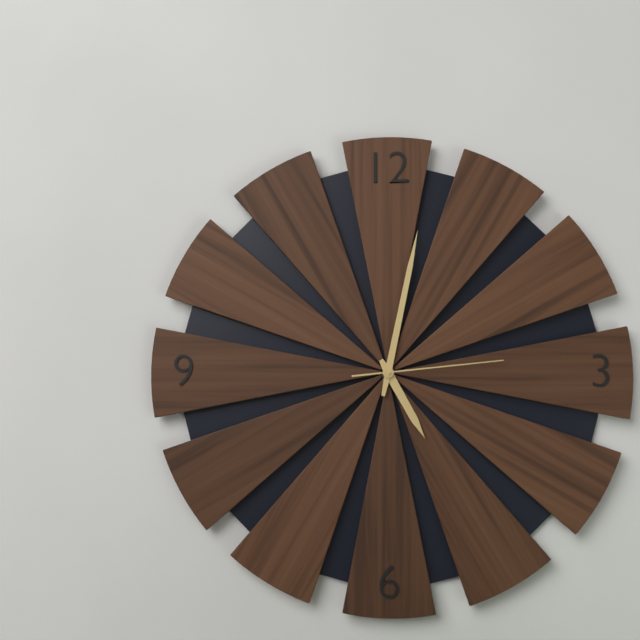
**5:02:14**
